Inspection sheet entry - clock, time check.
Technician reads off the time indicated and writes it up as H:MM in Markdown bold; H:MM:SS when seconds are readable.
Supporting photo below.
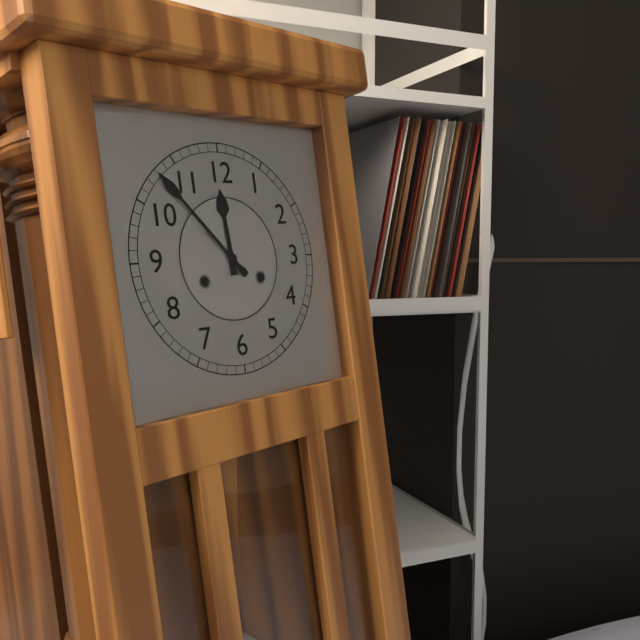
**11:53**
